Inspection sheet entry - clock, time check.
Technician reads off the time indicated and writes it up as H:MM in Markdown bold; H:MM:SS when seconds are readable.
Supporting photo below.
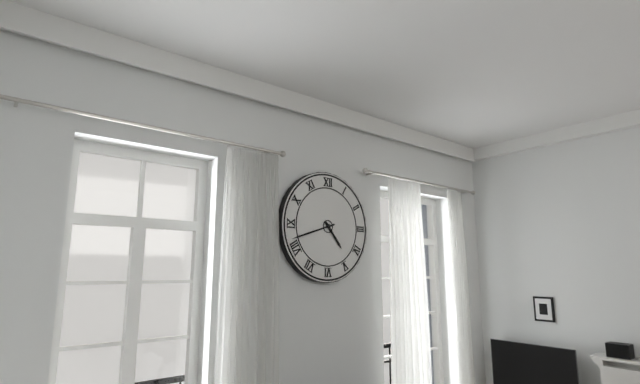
**4:42**
